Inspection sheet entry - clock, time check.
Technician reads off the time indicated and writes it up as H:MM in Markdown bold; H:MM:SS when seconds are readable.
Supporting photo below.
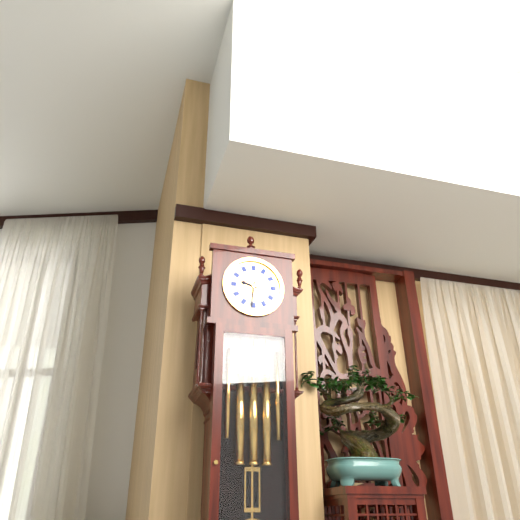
**9:31**
